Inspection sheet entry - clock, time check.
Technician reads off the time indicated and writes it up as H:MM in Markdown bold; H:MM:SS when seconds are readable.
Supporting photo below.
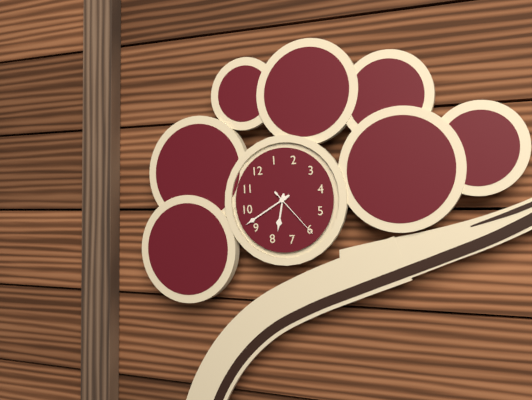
**7:47:30**
